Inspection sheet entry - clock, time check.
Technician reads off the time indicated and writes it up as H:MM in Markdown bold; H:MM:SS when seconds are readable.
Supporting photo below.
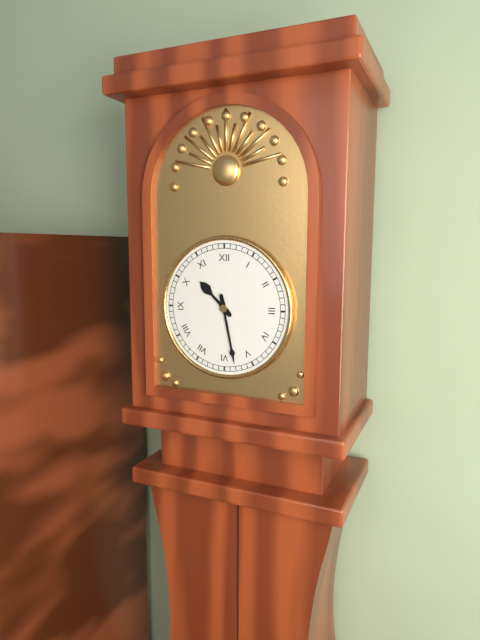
**10:28**
